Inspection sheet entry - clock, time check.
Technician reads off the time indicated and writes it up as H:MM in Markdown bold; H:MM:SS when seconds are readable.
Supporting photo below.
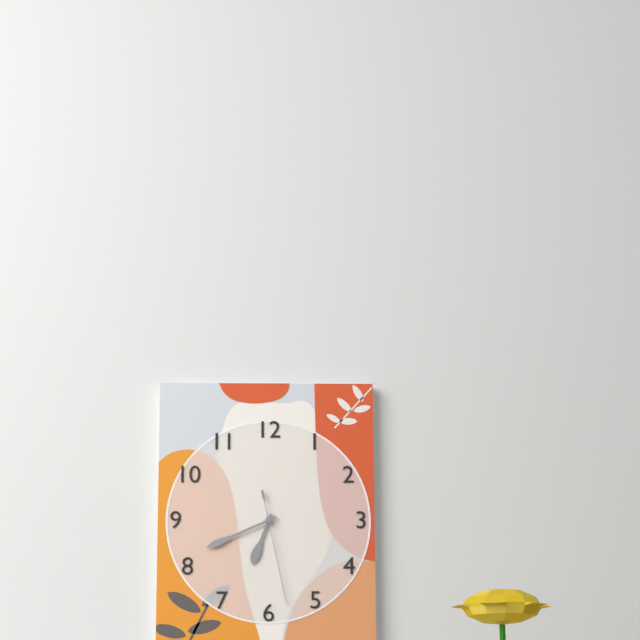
**6:41:28**
